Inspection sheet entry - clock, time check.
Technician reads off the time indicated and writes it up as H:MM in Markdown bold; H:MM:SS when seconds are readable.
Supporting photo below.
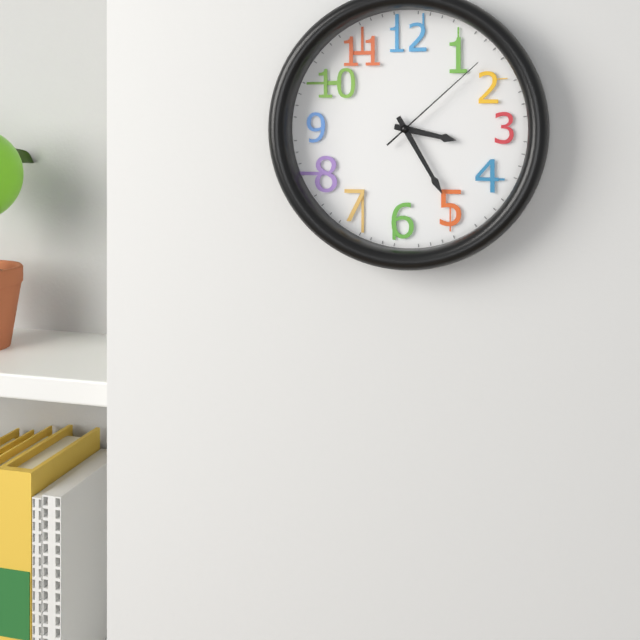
**3:25:08**
